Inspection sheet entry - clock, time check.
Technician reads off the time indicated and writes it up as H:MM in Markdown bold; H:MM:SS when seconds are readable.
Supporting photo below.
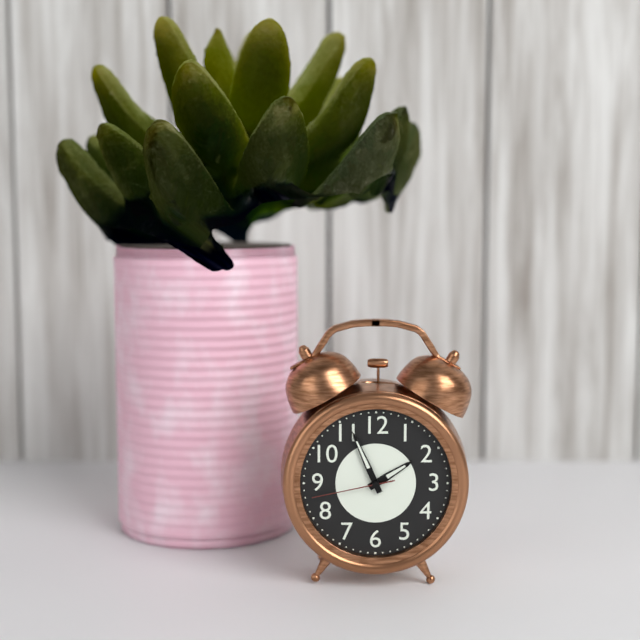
**1:56:43**
